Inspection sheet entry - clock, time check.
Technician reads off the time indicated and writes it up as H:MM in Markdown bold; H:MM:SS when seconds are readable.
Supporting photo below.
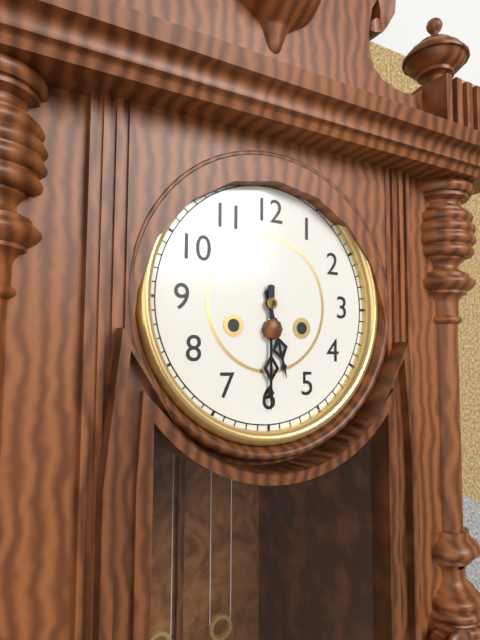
**5:30**
